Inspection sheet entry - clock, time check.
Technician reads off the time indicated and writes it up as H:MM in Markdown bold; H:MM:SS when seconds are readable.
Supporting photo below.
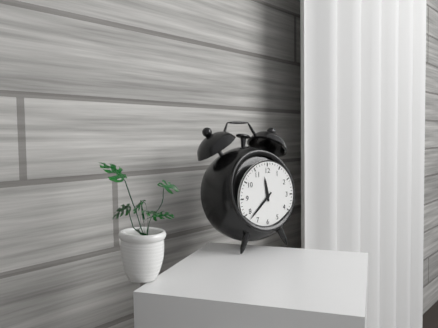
**11:38**
